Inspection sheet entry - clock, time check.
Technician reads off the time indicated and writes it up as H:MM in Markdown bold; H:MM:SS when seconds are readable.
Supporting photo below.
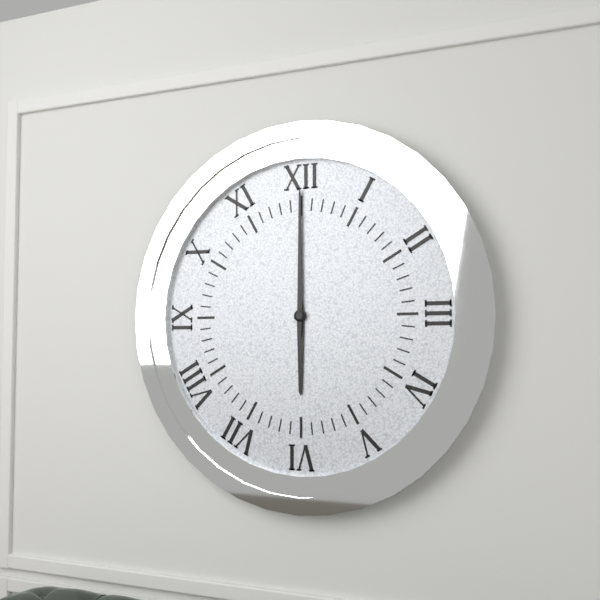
**6:00**
